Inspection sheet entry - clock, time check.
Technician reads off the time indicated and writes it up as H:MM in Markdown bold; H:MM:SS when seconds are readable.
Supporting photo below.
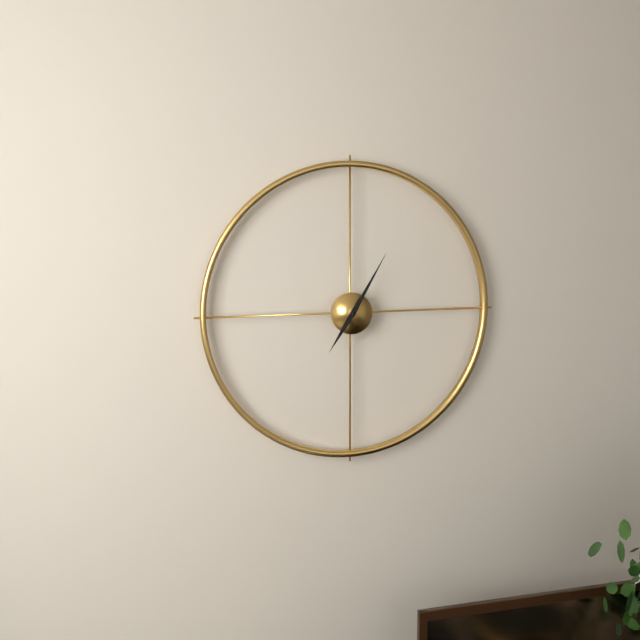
**7:05**
